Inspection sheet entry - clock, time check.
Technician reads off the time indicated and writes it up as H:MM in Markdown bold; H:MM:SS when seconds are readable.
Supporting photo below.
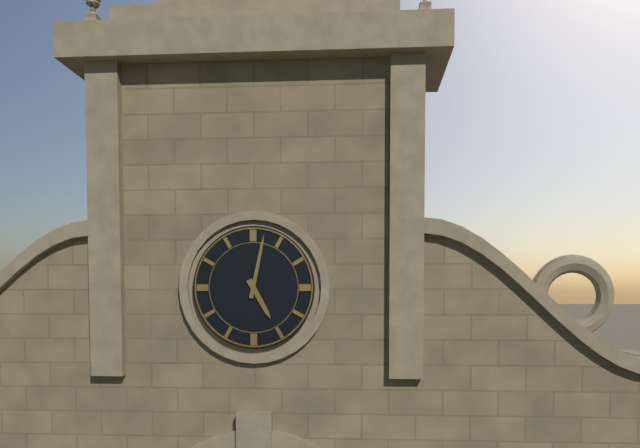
**5:02**
